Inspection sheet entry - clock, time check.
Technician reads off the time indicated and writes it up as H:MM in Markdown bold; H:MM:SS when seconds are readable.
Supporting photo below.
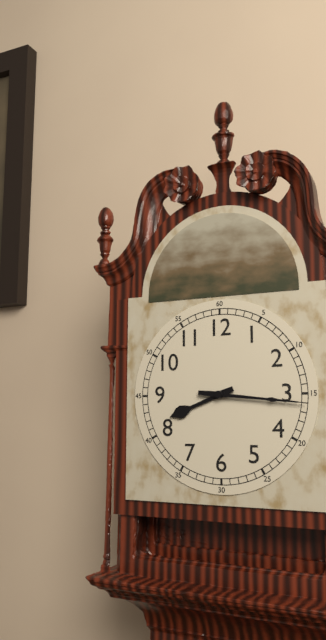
**8:16**
